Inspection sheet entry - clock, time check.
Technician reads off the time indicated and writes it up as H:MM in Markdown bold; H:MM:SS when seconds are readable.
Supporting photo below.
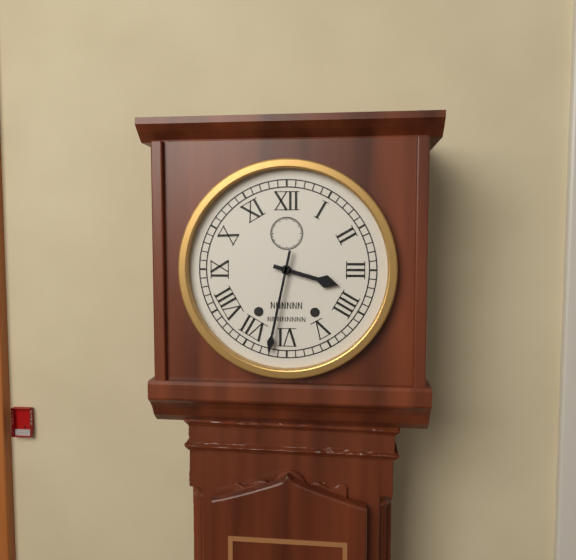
**3:32**
